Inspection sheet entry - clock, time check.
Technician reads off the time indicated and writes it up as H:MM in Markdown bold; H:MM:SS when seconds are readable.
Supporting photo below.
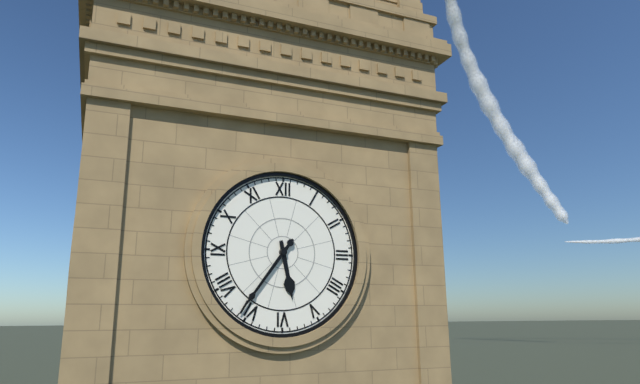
**5:36**
